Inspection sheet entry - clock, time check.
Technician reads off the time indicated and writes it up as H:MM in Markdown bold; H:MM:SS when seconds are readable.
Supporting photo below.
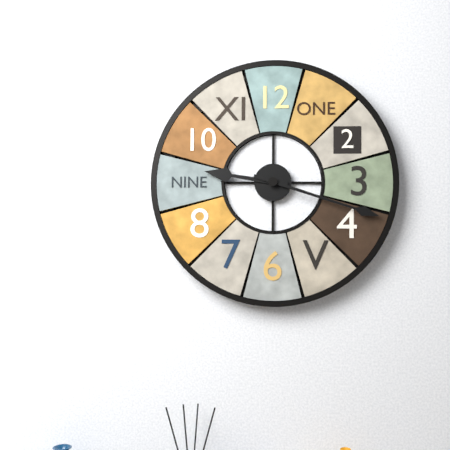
**9:18**
